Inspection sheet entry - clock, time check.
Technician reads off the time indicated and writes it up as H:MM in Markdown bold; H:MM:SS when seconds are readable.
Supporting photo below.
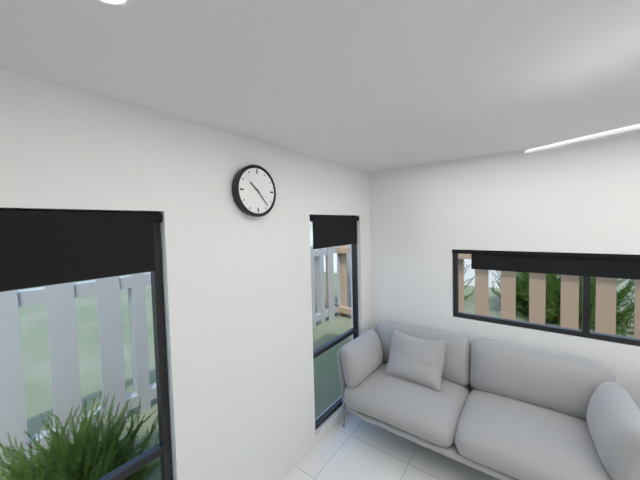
**10:23**
